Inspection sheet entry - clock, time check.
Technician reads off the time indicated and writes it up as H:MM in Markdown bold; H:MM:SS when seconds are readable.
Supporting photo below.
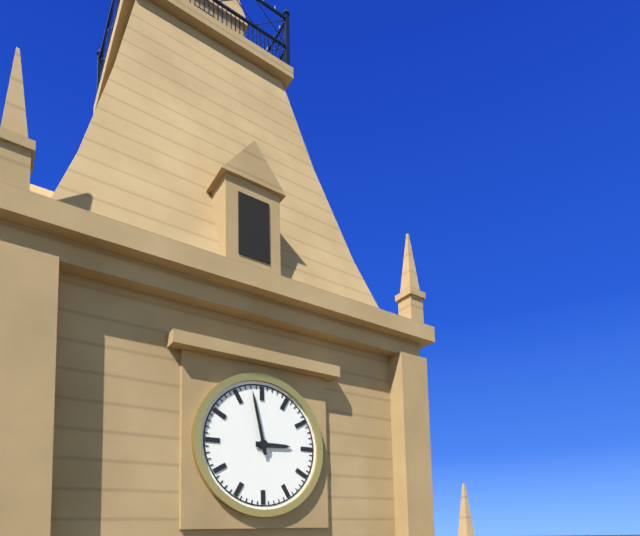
**2:58**
